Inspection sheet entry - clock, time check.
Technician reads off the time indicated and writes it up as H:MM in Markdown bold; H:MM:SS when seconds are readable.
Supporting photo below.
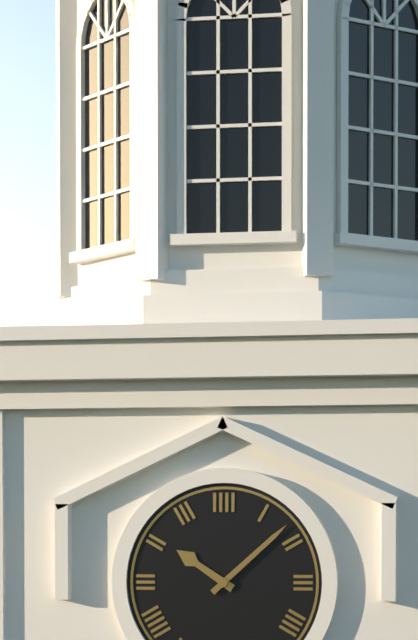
**10:08**
